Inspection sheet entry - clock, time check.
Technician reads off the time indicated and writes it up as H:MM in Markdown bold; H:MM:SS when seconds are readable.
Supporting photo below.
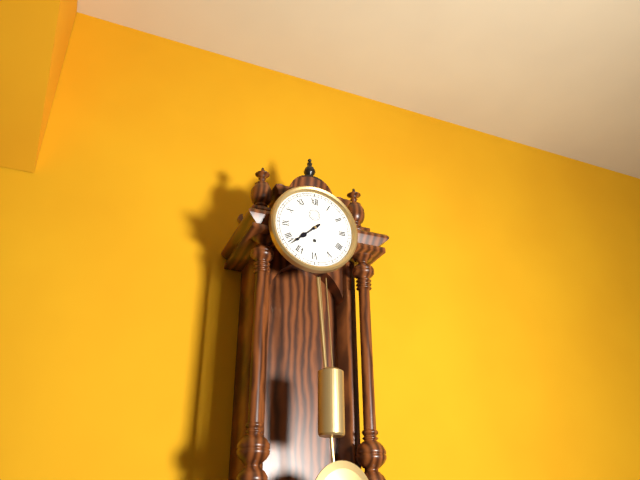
**7:38**
